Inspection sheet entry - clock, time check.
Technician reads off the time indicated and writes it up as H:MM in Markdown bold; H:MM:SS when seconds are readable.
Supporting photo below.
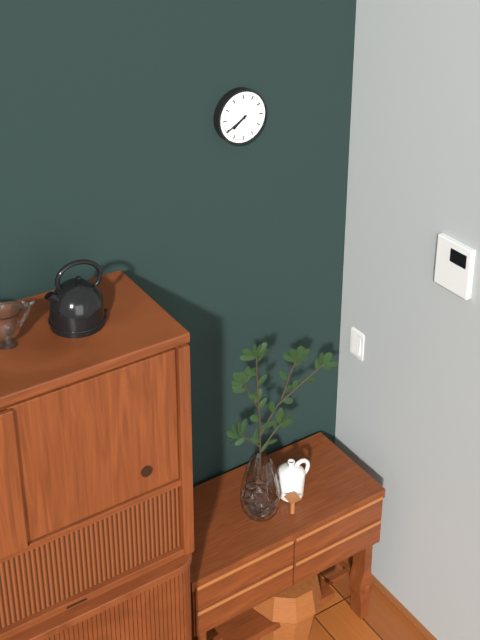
**7:40**
